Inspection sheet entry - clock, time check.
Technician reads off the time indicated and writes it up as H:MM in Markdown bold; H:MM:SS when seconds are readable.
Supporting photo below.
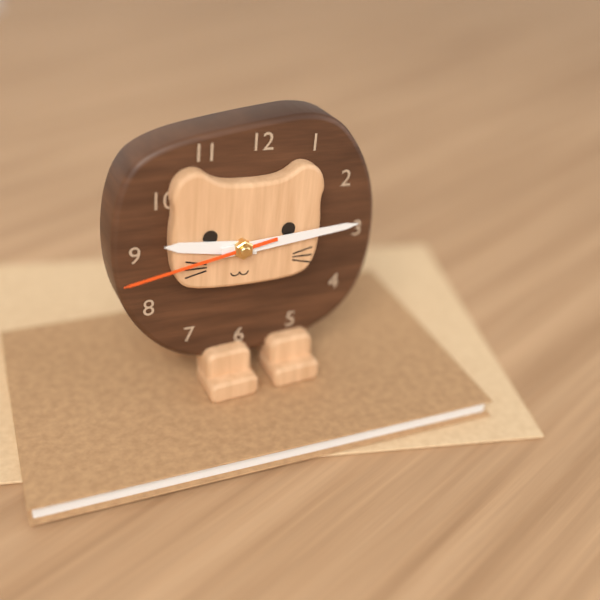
**9:14:43**
